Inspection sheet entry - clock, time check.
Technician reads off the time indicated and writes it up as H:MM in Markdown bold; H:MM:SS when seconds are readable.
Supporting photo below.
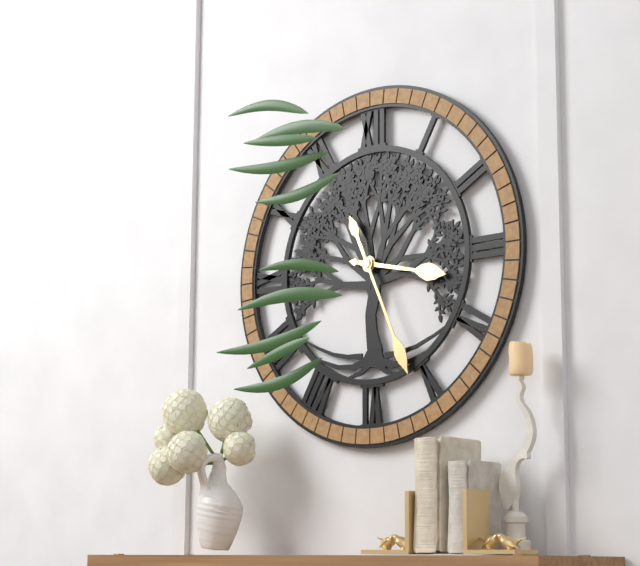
**3:26**
